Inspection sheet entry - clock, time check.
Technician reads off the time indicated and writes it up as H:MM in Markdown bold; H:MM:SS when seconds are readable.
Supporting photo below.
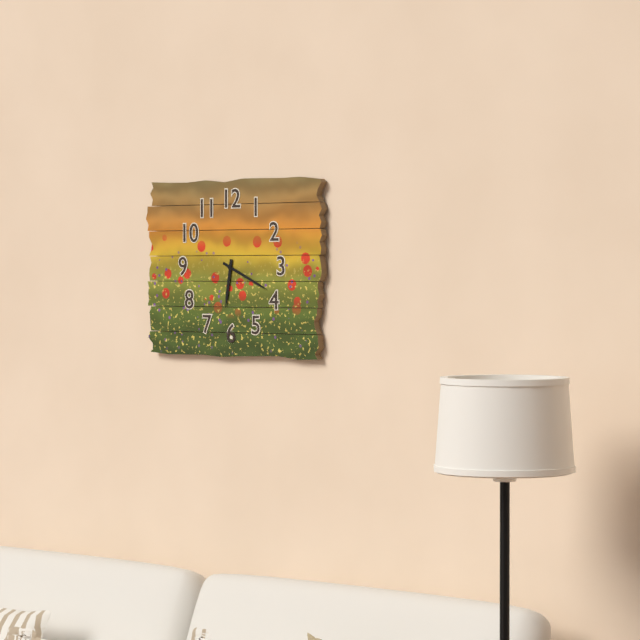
**6:19**
